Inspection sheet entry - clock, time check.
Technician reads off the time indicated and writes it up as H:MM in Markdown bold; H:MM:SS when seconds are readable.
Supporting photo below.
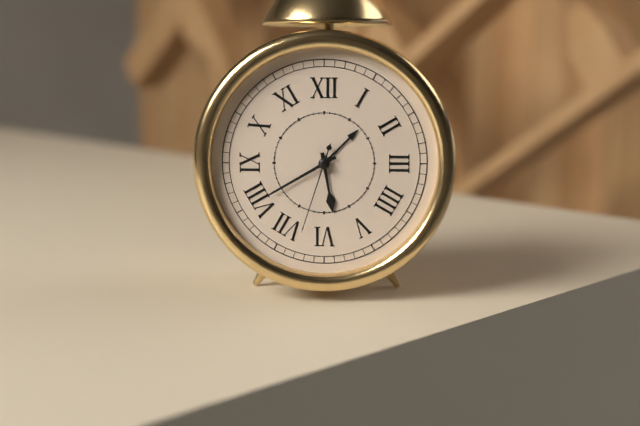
**5:40:33**
